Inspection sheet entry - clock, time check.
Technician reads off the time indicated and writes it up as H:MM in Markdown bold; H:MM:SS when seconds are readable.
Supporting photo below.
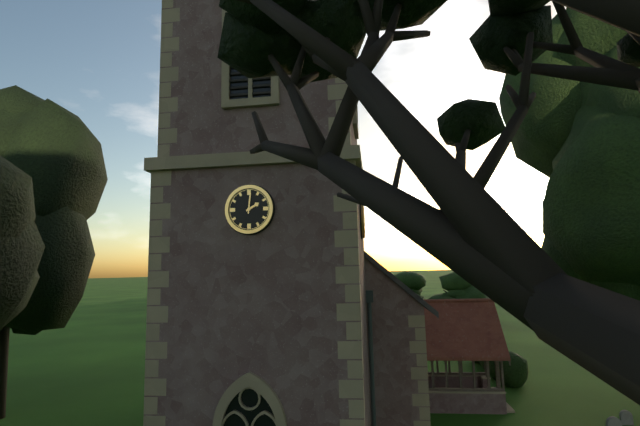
**2:01**
